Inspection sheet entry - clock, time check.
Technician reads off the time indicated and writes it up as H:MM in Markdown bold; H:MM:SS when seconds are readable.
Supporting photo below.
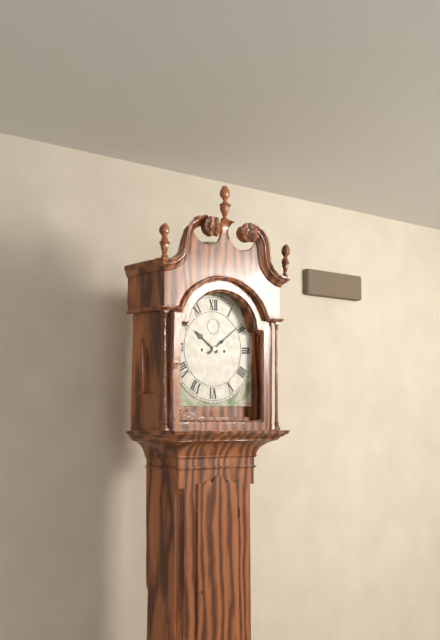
**10:09**
